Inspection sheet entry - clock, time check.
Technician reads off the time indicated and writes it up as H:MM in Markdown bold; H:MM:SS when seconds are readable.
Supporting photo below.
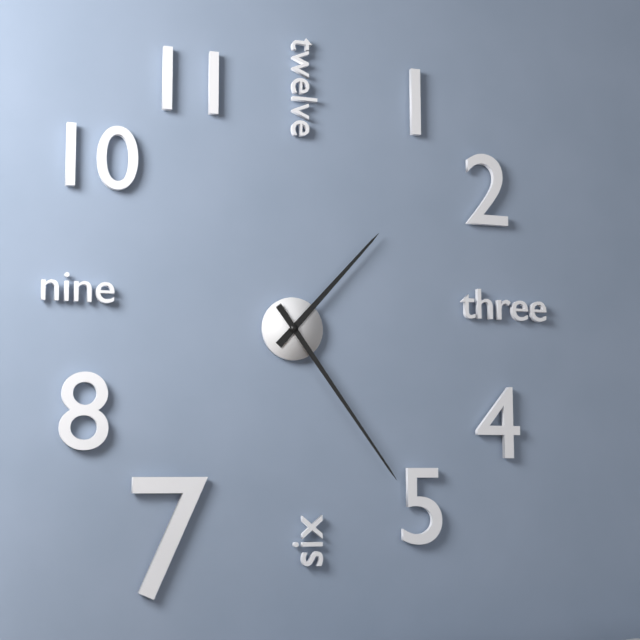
**1:24**
